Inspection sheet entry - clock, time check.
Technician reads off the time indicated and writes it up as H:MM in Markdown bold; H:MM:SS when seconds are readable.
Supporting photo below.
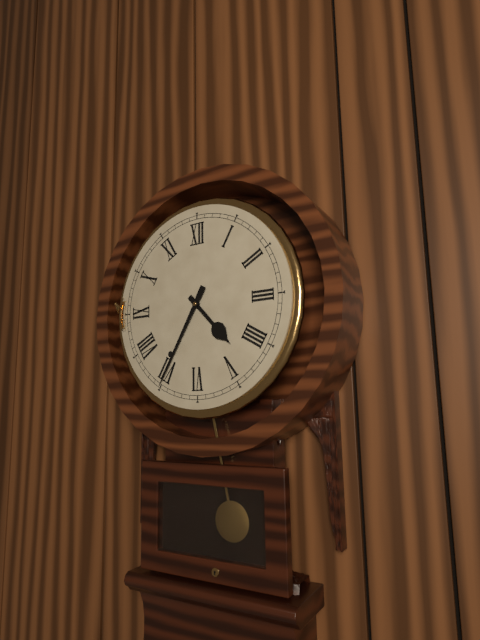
**4:35**
